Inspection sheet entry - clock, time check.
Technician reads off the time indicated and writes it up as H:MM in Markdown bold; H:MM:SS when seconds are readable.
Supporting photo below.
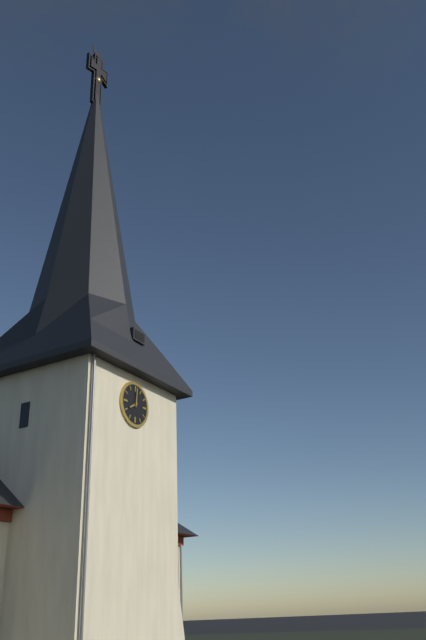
**8:01**
